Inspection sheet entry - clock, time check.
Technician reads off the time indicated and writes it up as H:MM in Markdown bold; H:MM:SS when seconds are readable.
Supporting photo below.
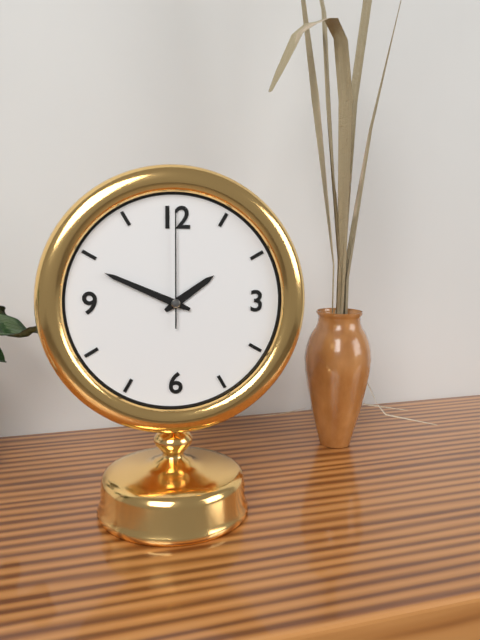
**1:49:00**
